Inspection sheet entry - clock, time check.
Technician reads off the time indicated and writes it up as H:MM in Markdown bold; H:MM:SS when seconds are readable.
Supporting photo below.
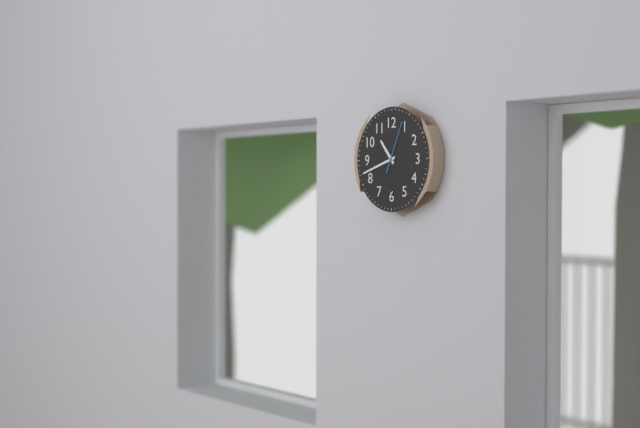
**10:42**
